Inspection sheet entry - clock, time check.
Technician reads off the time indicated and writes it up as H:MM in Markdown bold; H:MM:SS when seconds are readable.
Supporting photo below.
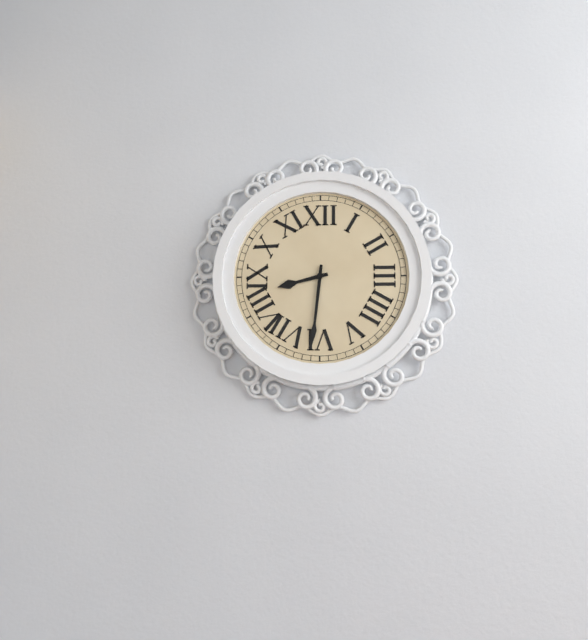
**8:31**
